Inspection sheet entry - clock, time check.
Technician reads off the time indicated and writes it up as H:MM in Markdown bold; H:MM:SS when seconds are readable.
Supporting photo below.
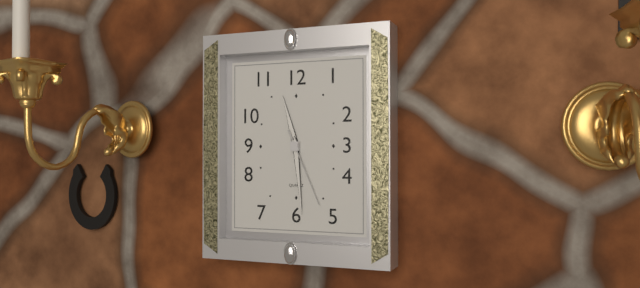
**11:29:26**
